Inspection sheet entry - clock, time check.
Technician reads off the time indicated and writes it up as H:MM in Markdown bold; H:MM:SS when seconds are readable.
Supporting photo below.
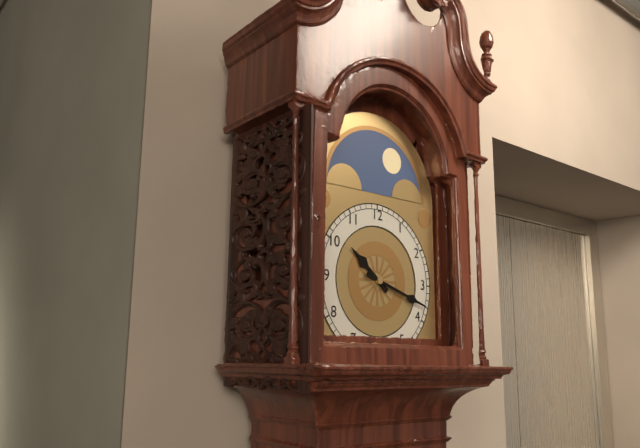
**10:18**
